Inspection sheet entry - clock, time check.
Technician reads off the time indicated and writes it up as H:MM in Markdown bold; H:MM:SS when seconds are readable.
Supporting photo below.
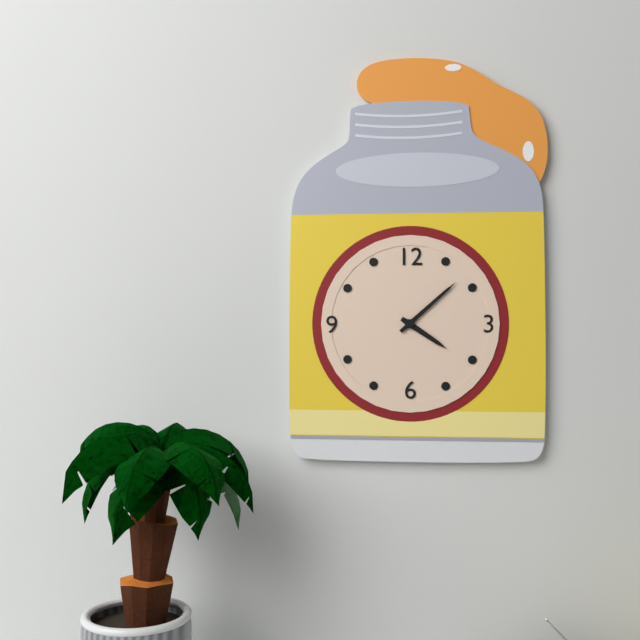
**4:08**
